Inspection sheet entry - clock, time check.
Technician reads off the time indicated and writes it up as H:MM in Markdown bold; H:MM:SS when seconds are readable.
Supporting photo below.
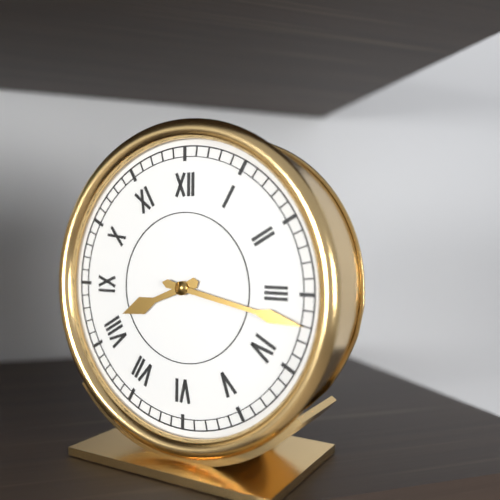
**8:17**
